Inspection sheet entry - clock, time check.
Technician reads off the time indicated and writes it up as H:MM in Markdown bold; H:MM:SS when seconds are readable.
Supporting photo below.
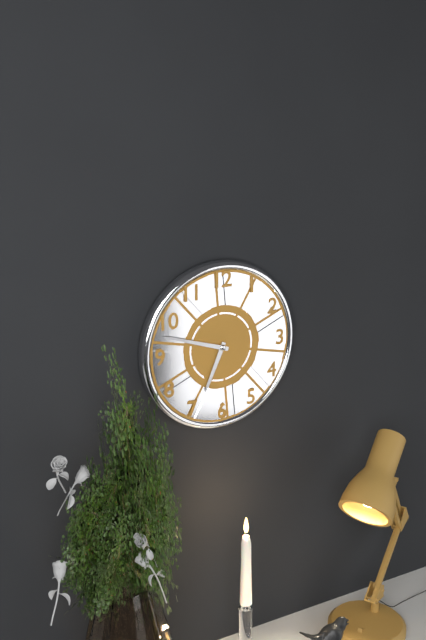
**6:48**
